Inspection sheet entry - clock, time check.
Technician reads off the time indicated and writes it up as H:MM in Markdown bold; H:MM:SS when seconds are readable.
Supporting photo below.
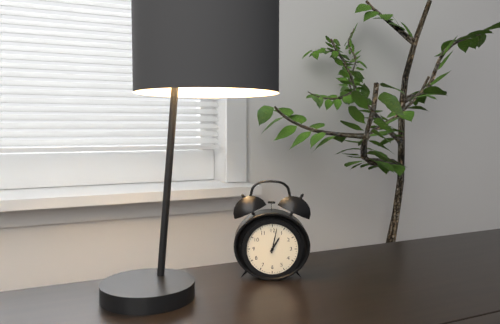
**1:02**
